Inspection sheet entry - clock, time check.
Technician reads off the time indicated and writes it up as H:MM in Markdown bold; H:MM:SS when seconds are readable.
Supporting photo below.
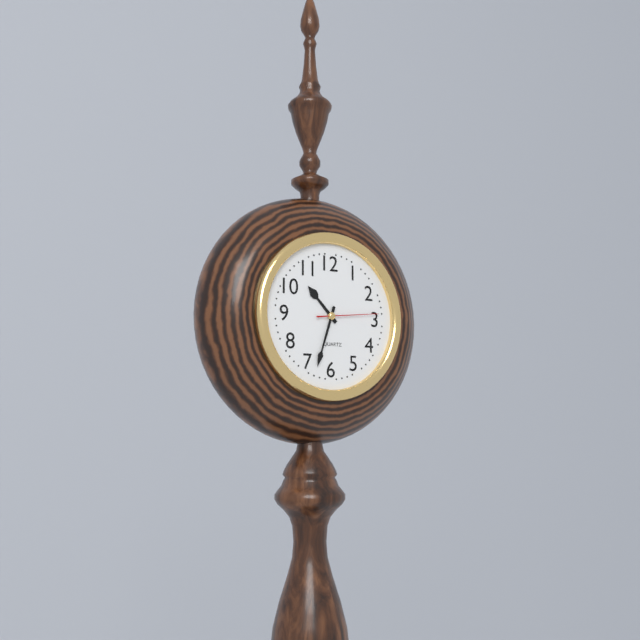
**10:33:14**
